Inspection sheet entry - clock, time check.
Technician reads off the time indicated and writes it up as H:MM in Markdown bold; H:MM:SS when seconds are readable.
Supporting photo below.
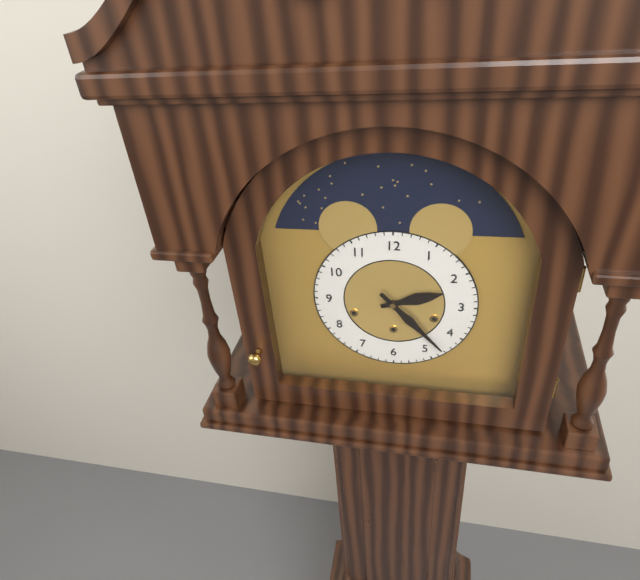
**2:23**
